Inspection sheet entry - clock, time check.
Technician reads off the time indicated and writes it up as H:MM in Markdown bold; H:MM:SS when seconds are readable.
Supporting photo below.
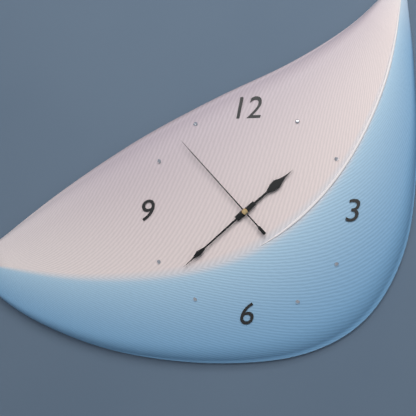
**1:38:53**
